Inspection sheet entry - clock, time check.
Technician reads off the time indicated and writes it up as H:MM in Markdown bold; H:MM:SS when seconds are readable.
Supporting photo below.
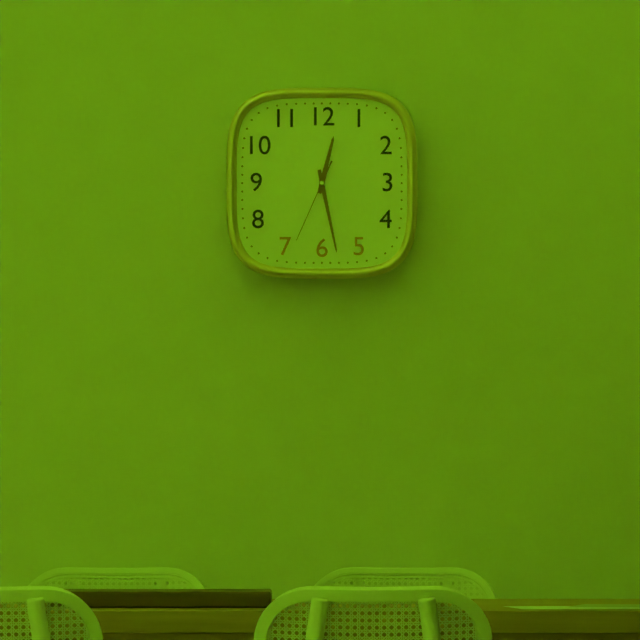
**12:28:34**
